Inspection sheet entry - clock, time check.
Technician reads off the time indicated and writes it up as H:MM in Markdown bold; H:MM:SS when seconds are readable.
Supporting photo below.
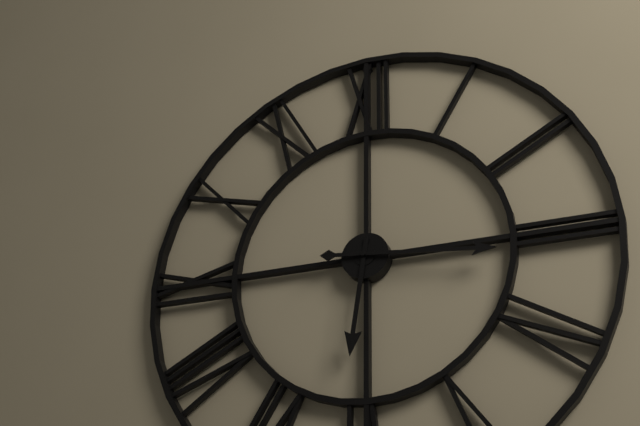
**6:16**
